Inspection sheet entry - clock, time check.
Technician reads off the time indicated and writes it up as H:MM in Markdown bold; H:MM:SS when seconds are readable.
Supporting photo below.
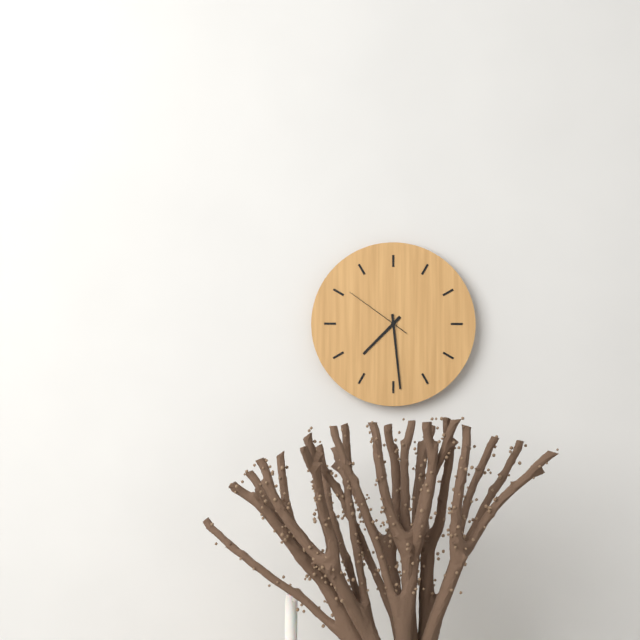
**7:29:51**
